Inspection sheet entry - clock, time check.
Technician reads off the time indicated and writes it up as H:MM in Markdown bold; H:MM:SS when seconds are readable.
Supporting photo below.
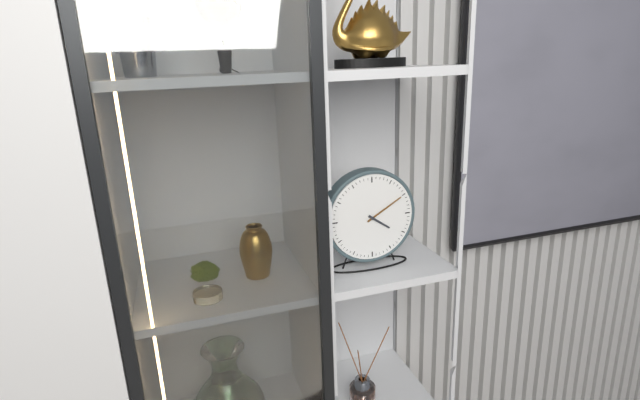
**4:10**
